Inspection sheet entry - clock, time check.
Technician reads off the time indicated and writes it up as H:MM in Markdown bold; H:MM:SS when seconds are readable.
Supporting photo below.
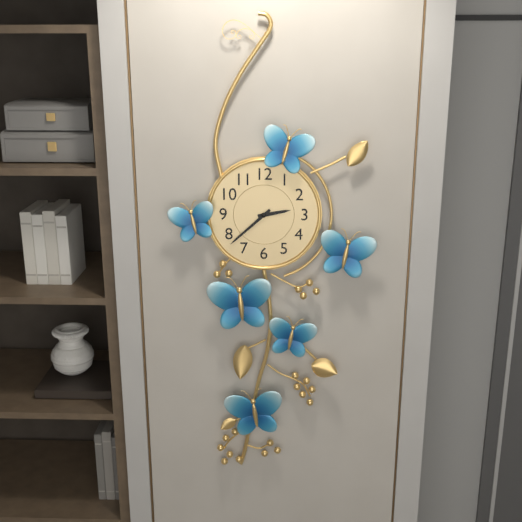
**2:38**
